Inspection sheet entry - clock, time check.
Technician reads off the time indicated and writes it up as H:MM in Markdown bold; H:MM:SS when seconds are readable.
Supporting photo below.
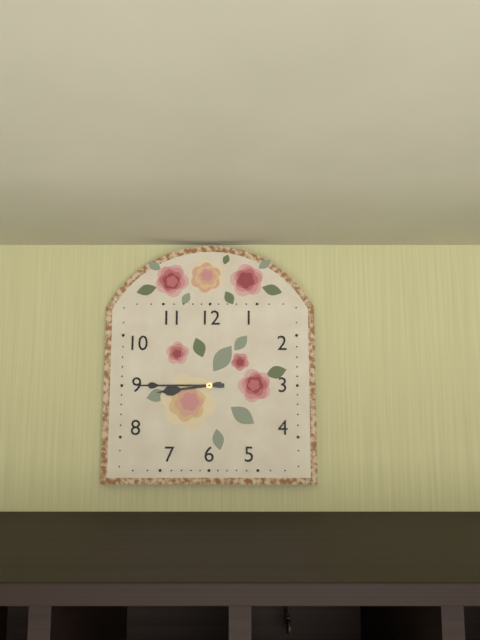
**8:45**
